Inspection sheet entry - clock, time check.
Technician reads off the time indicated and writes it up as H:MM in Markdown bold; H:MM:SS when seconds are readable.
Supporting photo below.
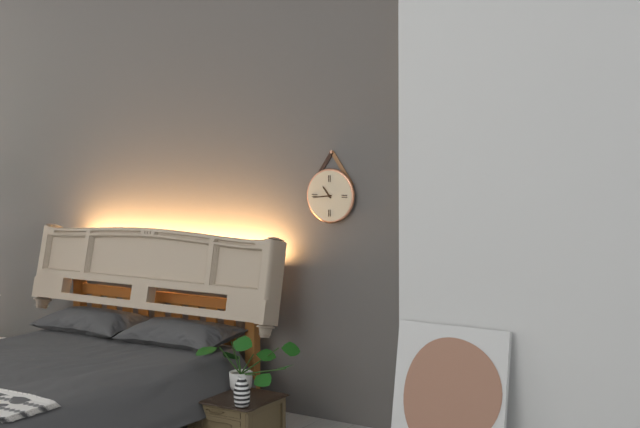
**10:44**
